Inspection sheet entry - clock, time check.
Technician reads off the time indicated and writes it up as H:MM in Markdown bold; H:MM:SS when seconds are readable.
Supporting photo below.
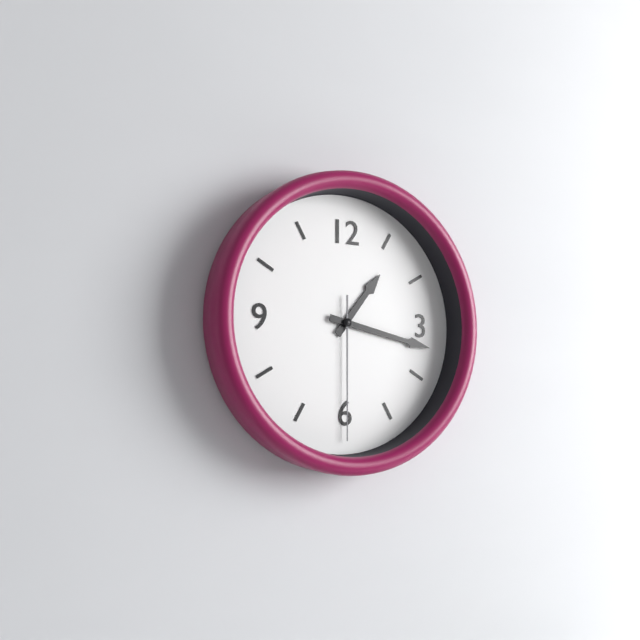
**1:17:30**
